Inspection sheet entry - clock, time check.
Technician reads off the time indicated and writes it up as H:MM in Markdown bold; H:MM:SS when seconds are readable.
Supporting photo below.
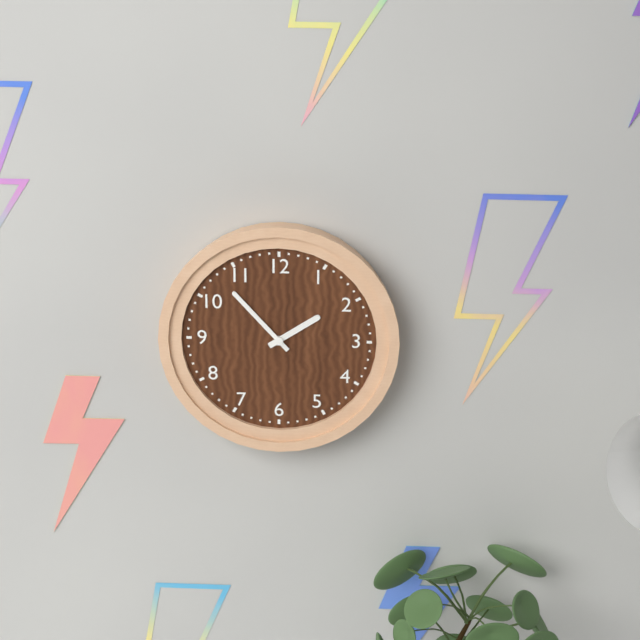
**1:53**
